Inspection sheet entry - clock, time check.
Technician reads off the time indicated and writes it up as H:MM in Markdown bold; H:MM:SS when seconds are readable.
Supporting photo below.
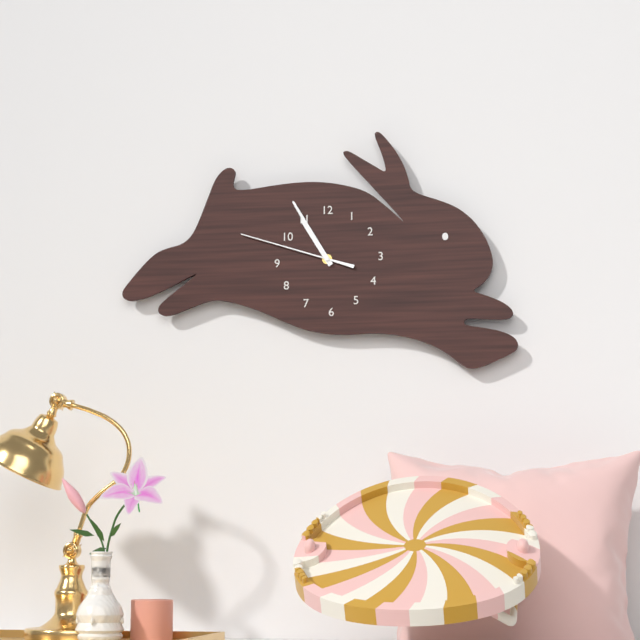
**10:55:48**
